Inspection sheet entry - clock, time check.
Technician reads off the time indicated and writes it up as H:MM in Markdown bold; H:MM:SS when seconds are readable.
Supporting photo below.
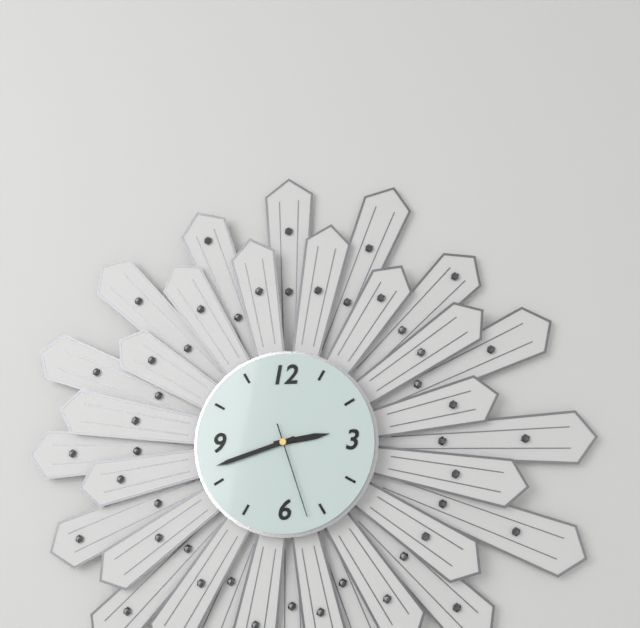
**2:42:27**
